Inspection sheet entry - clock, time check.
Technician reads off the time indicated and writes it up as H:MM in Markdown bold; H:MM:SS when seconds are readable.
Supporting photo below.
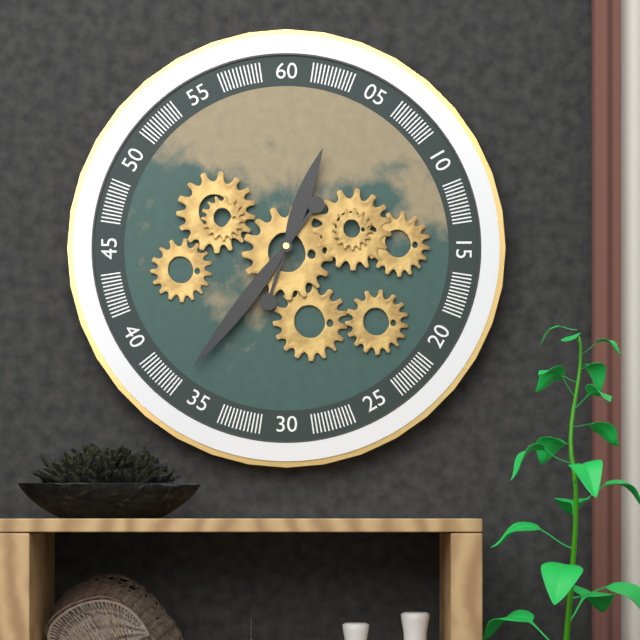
**12:36**
